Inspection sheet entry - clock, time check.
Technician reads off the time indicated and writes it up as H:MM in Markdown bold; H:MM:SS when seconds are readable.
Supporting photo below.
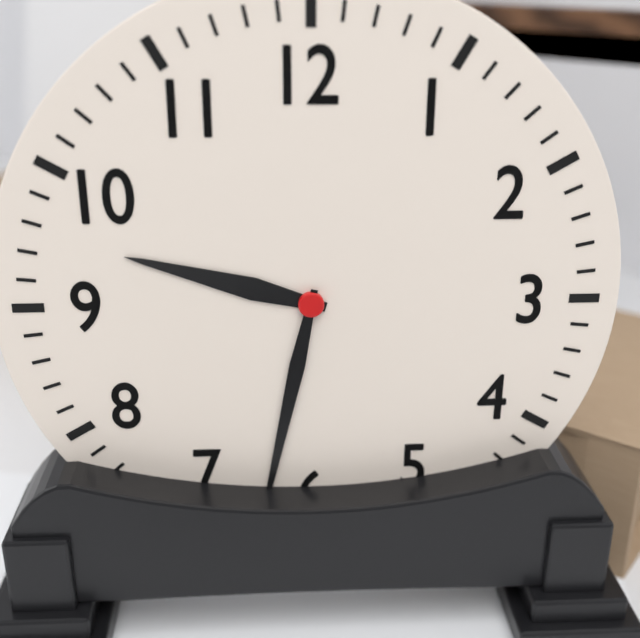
**9:32**
